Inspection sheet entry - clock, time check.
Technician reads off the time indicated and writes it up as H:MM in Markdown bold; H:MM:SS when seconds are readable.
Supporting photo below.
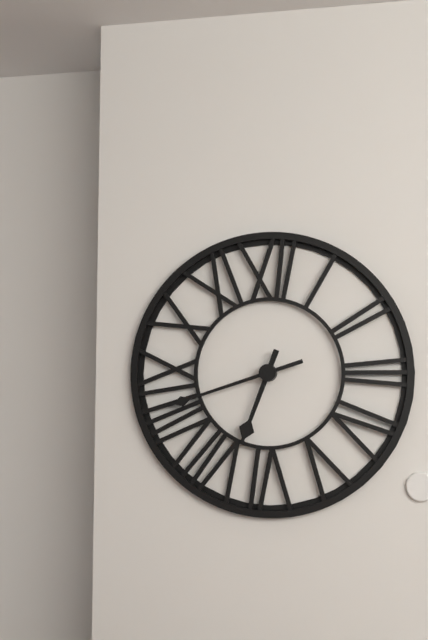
**6:42**
